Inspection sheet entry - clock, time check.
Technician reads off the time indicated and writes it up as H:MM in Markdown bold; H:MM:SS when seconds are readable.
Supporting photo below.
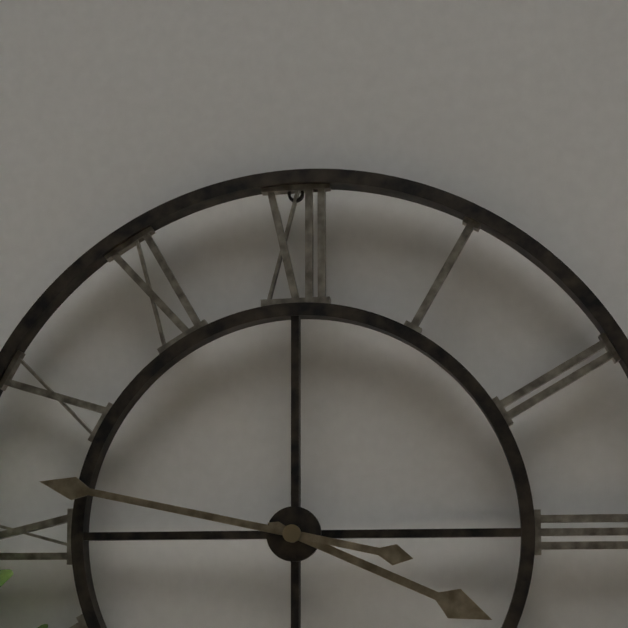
**3:47**
